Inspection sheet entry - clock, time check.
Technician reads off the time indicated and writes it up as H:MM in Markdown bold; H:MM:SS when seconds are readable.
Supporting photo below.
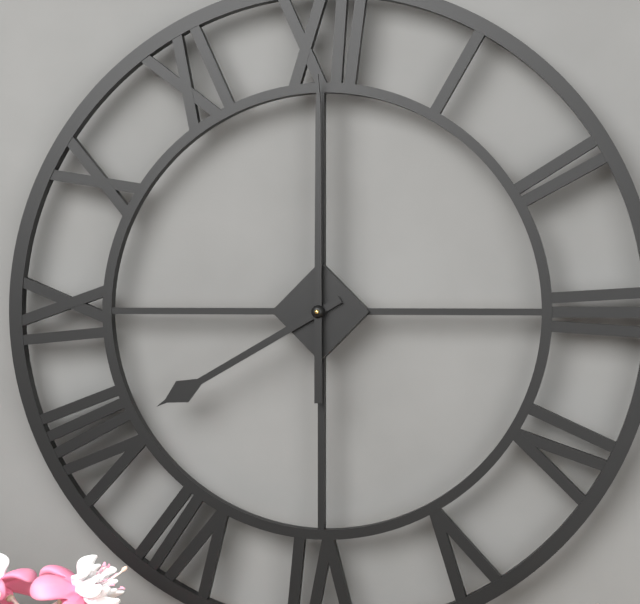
**8:00**
